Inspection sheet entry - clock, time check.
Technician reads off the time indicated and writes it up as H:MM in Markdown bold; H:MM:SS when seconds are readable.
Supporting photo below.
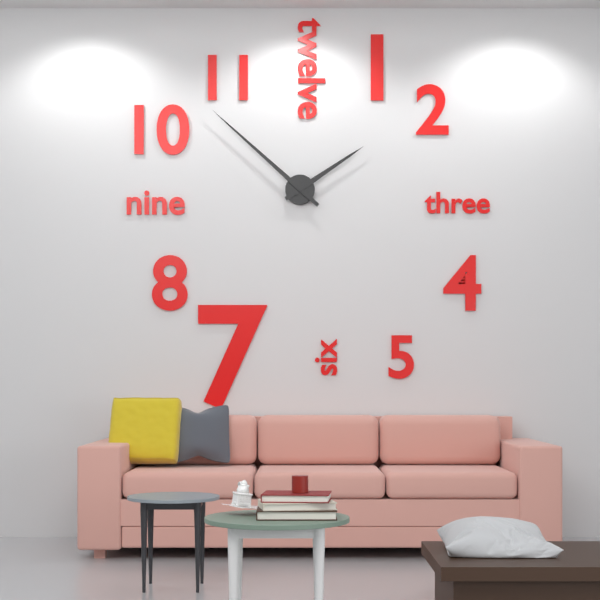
**1:52**
